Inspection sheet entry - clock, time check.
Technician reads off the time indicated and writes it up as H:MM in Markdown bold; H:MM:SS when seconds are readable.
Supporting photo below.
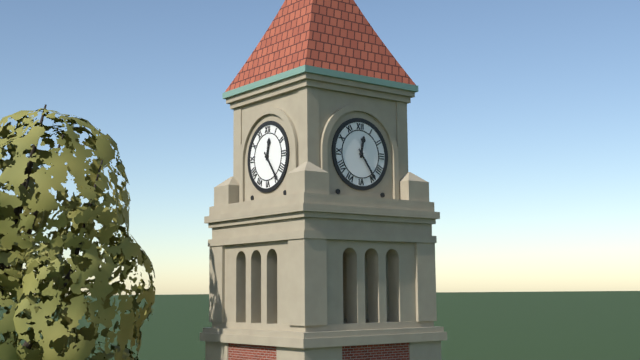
**12:24**
